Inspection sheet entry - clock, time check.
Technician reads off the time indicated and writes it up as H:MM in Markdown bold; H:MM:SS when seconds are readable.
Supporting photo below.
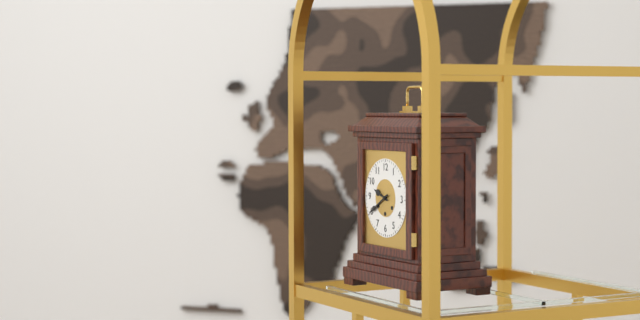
**9:40**
